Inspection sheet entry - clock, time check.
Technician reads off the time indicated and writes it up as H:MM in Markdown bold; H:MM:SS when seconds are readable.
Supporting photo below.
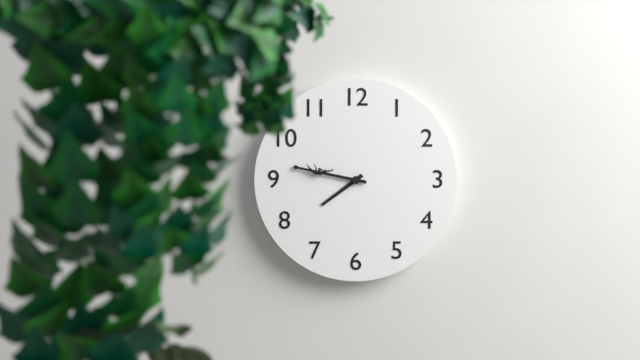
**7:47**
